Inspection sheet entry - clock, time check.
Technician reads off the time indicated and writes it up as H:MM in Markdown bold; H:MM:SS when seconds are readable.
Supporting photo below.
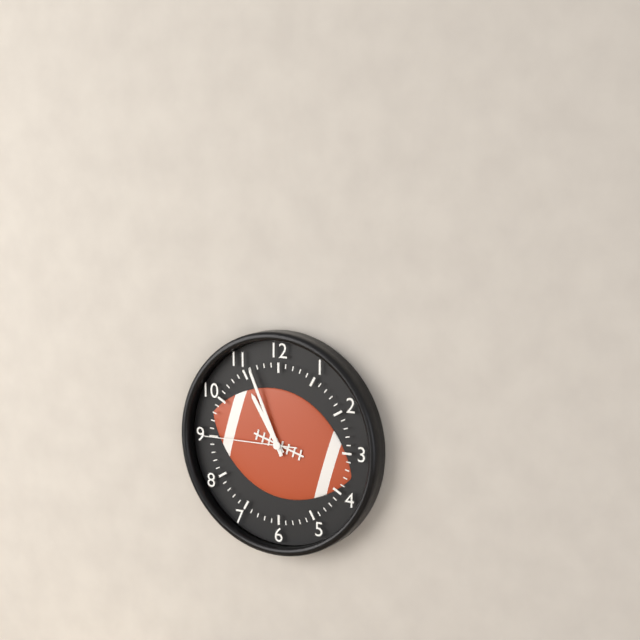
**10:56:45**
